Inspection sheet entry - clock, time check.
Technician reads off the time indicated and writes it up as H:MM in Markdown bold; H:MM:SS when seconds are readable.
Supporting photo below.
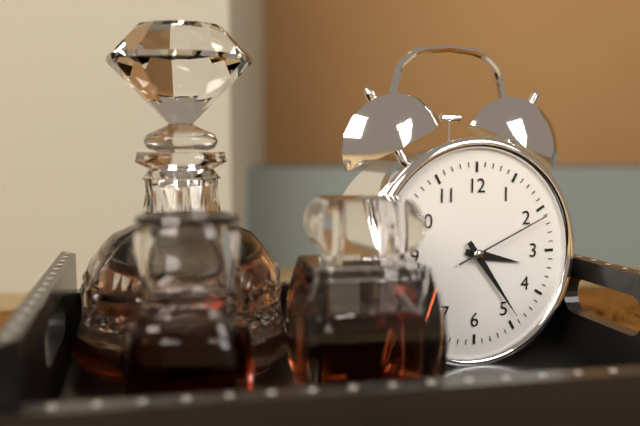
**3:24:11**
